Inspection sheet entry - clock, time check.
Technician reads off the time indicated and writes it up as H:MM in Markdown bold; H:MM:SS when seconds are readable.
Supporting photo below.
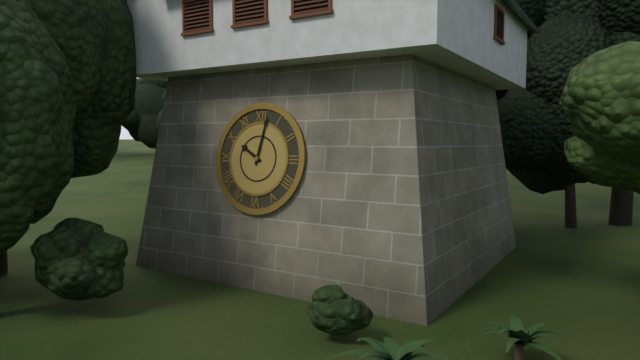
**10:02**
